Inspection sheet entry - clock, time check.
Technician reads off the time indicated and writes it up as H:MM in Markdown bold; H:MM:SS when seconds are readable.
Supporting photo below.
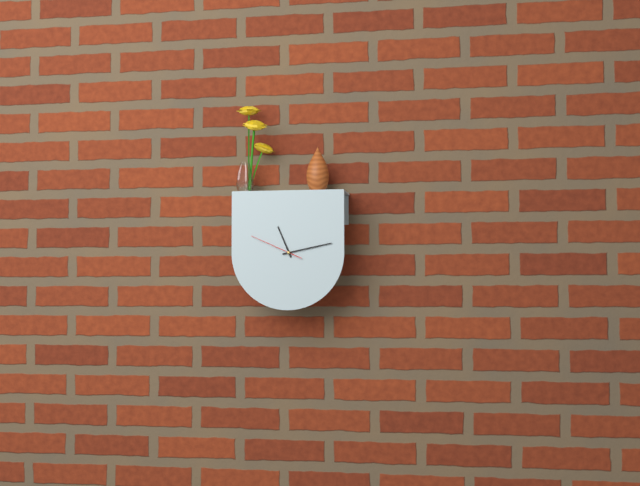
**11:13:49**
